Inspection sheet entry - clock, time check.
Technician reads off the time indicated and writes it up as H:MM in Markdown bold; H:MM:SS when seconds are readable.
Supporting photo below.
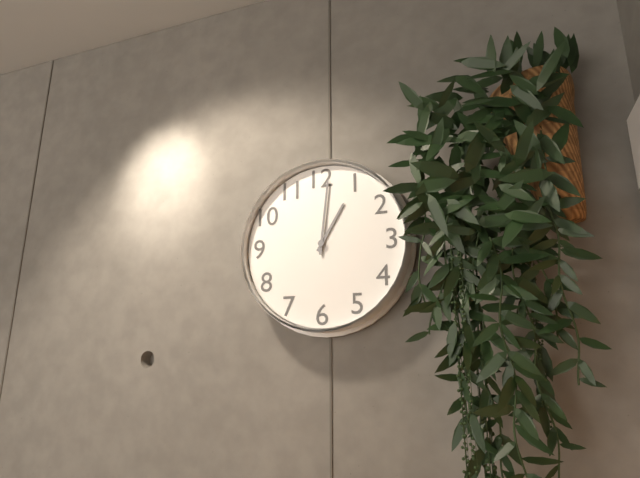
**1:01**
